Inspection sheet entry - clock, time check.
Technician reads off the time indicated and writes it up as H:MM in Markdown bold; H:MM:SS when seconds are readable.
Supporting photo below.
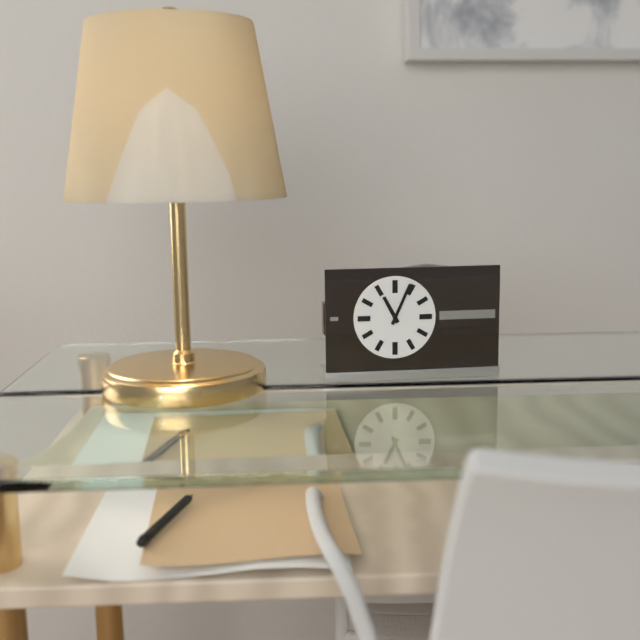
**11:04**
